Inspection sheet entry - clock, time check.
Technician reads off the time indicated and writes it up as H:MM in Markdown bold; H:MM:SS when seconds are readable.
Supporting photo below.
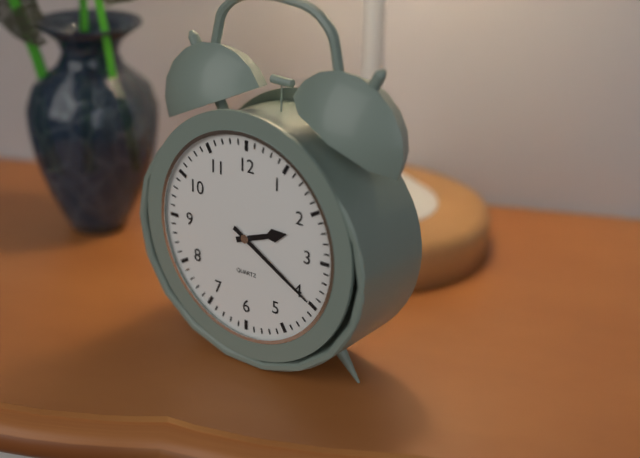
**2:20**
